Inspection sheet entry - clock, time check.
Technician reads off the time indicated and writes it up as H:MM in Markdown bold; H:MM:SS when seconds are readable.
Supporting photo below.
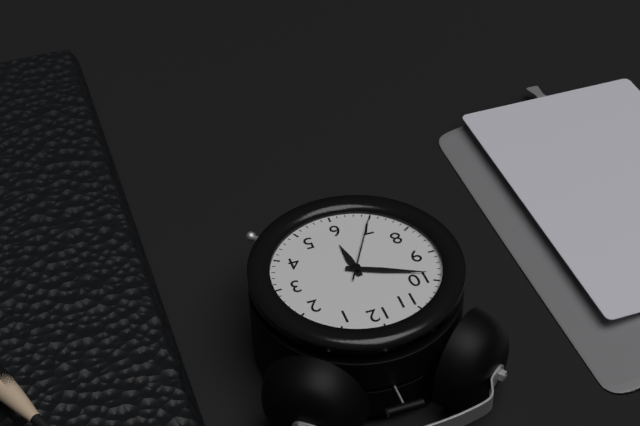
**5:49:35**
